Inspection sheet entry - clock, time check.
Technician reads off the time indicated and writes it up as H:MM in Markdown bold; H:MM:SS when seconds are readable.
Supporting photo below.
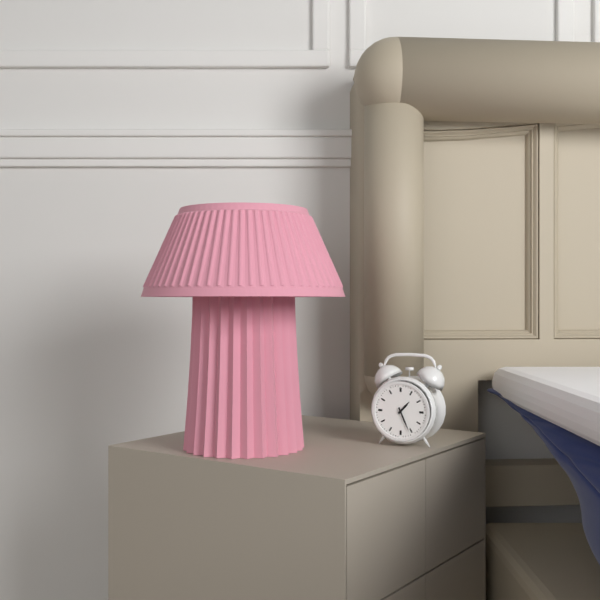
**1:26**
